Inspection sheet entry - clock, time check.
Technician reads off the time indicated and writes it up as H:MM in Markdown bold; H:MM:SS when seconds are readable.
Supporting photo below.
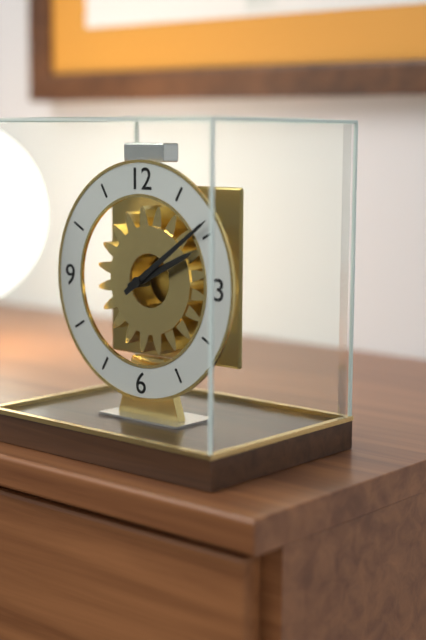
**2:09**
